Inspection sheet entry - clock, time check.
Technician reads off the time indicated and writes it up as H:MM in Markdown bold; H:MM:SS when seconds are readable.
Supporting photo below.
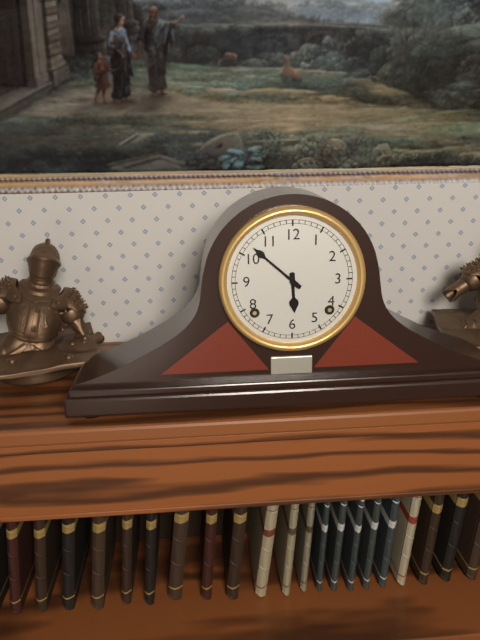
**5:52**
